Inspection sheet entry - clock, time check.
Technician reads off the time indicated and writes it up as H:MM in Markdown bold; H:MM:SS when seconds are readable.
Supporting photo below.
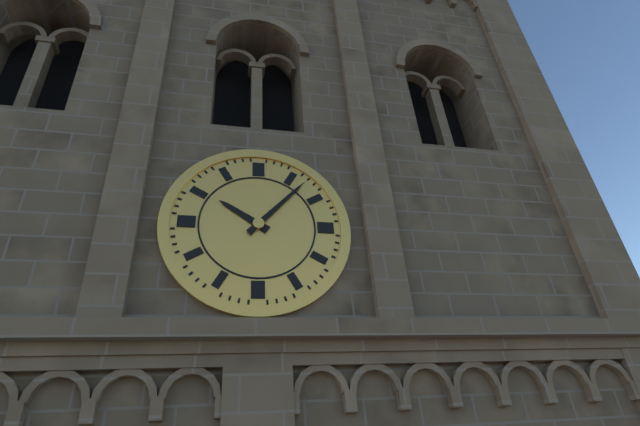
**10:07**
